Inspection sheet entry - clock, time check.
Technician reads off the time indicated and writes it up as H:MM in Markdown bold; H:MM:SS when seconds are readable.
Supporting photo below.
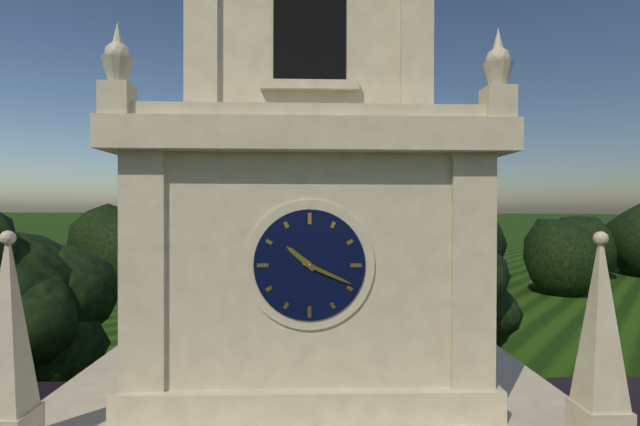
**10:19**
